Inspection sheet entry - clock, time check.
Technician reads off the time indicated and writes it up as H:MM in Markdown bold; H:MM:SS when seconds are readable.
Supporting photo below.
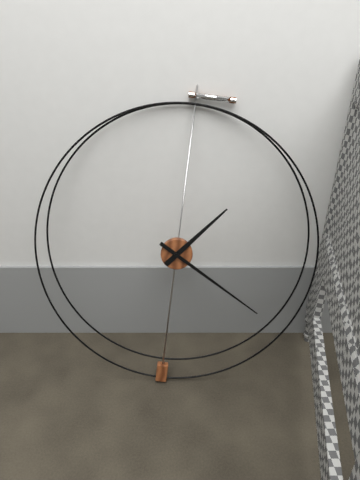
**1:20**
